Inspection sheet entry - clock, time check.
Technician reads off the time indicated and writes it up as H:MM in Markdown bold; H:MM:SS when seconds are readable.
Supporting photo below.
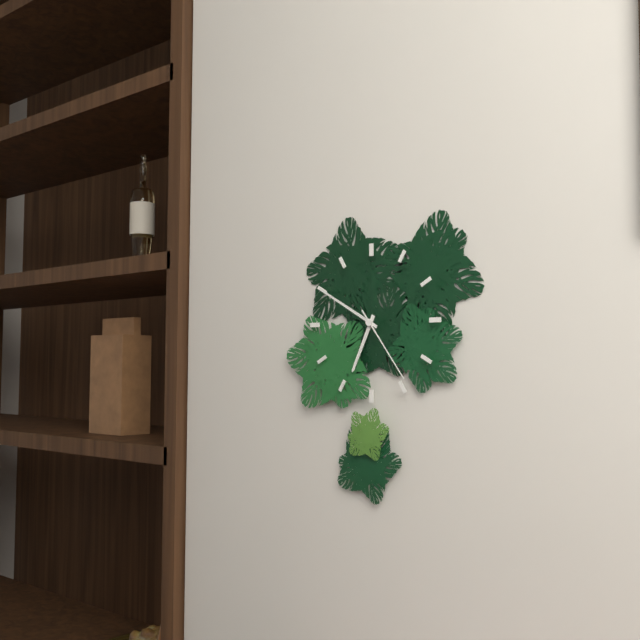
**6:50:24**
